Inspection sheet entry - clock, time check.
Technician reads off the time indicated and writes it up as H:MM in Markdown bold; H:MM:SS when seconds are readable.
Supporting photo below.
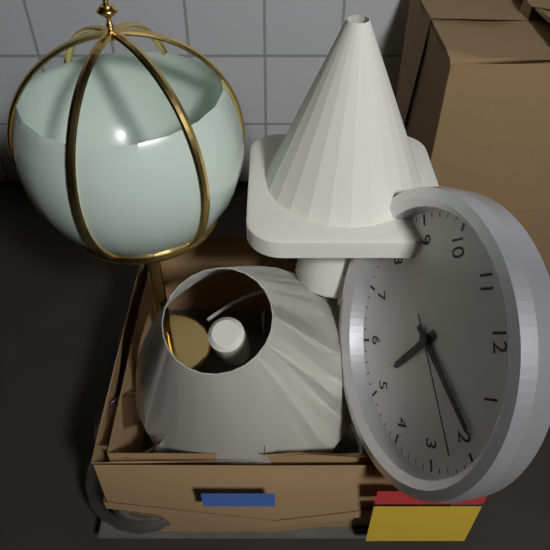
**5:09:12**
